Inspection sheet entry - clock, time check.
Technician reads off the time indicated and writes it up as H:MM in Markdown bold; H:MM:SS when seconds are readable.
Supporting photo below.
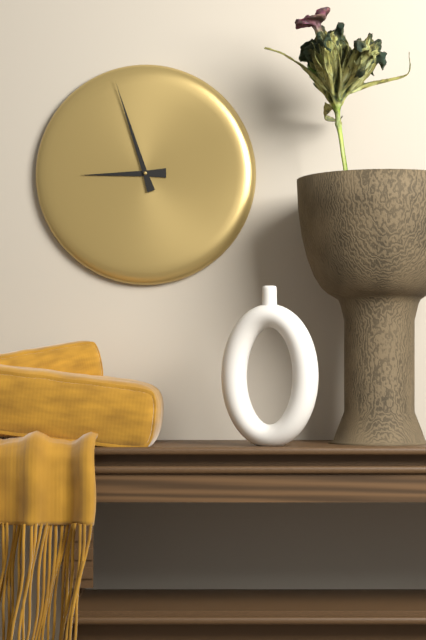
**8:57**
